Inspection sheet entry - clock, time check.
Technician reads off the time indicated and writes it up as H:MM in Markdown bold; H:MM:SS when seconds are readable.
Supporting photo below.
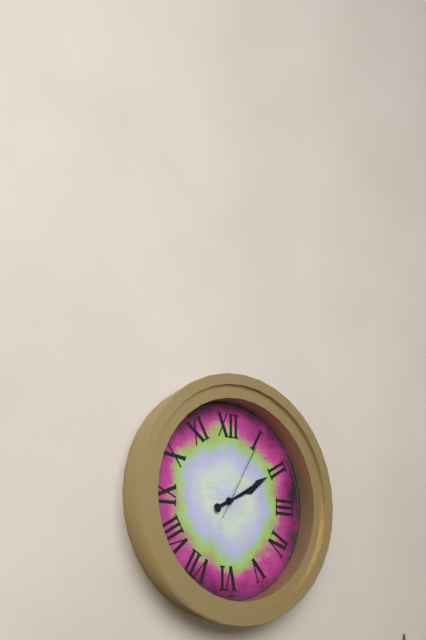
**2:10:05**
